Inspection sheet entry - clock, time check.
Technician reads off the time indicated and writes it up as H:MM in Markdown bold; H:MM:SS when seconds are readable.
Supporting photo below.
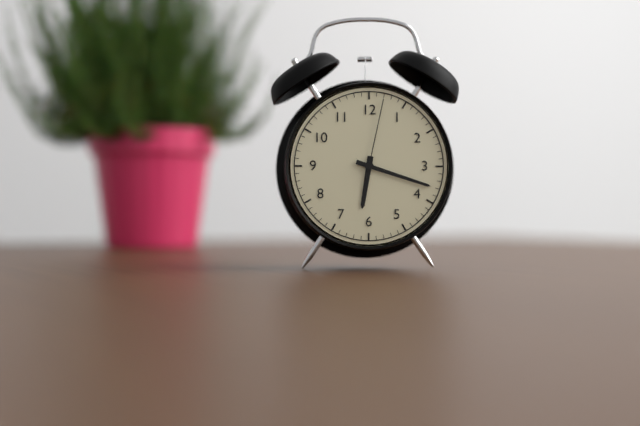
**6:18:02**
